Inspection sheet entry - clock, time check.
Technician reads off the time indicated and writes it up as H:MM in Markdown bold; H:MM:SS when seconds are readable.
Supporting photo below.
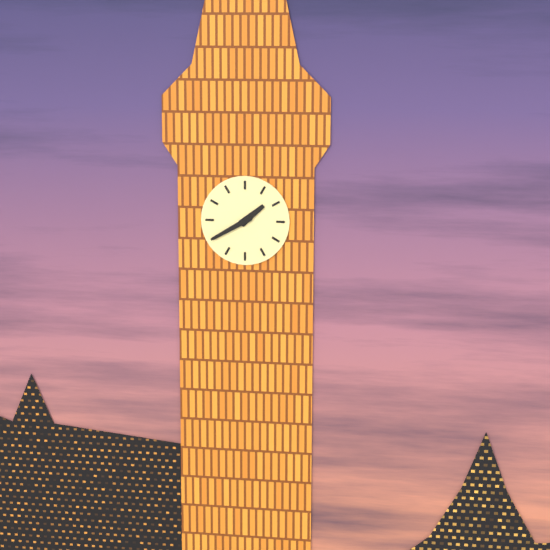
**1:40**
